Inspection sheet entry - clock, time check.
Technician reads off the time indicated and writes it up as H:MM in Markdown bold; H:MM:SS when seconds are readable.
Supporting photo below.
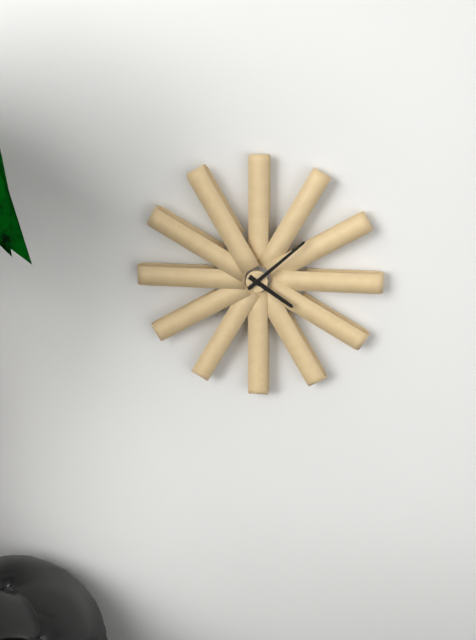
**4:08**
